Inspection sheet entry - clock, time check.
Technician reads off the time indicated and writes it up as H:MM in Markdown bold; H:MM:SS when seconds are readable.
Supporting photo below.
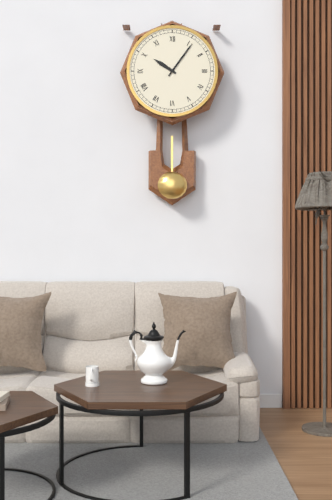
**10:06**
